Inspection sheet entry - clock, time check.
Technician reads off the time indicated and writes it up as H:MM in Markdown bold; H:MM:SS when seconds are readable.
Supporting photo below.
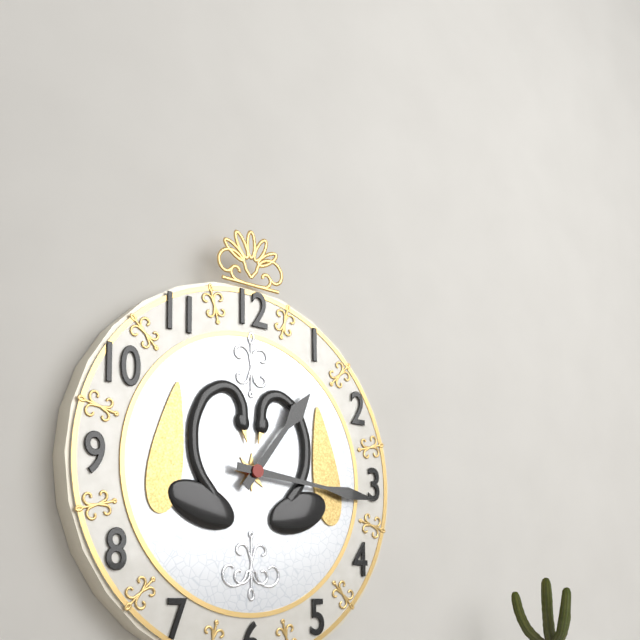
**1:16**
